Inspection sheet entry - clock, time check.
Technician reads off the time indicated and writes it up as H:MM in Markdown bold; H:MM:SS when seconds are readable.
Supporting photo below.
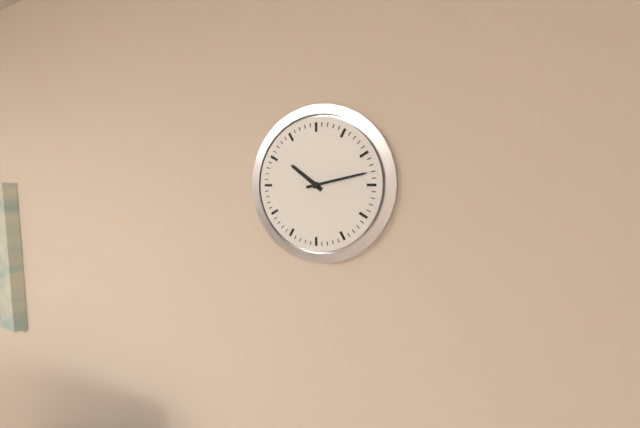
**10:13**
